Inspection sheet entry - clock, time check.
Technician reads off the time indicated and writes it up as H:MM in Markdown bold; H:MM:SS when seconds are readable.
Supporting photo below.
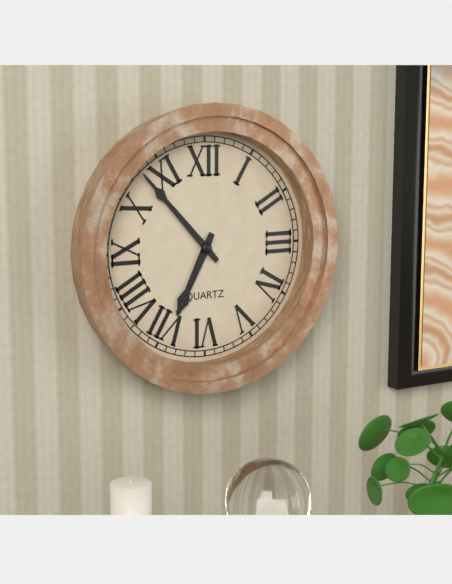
**6:53**
